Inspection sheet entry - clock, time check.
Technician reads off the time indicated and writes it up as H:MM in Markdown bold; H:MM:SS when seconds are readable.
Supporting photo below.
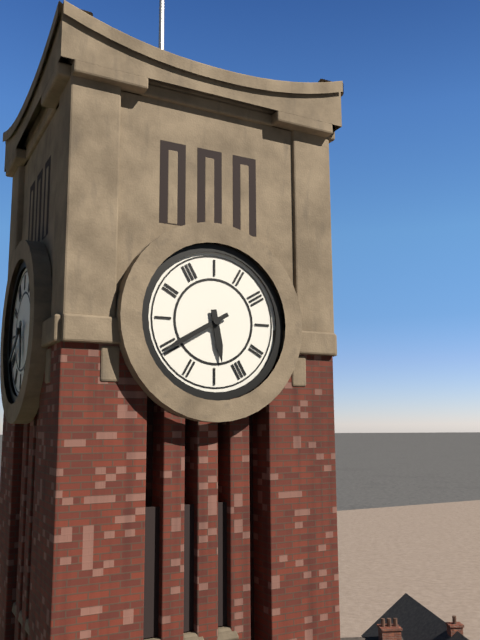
**5:40**
